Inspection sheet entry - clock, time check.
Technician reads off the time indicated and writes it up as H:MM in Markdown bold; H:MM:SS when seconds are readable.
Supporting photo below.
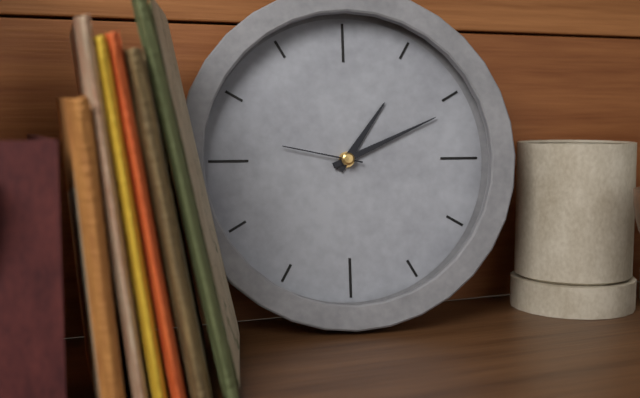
**1:11:47**
